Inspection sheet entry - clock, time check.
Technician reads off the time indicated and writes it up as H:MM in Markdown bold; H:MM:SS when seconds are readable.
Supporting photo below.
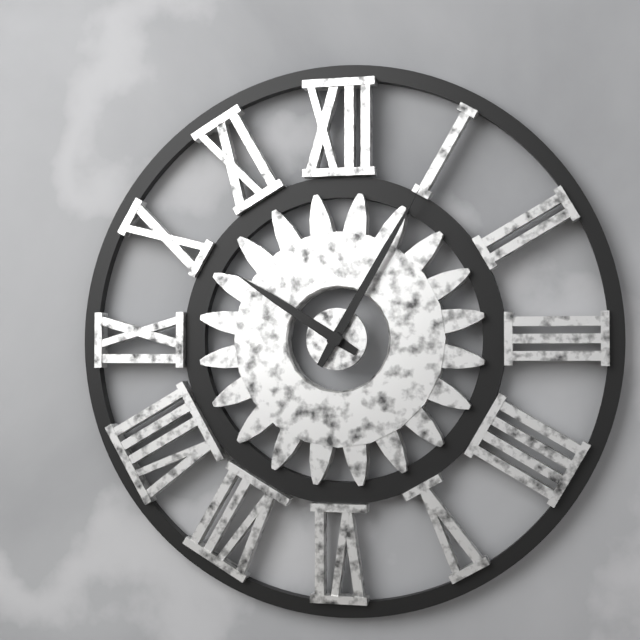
**10:05**
